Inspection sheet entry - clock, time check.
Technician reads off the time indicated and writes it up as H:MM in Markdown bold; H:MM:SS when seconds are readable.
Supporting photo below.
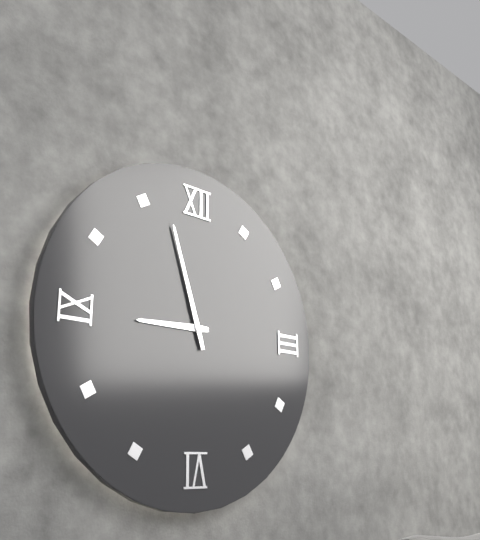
**8:57**
